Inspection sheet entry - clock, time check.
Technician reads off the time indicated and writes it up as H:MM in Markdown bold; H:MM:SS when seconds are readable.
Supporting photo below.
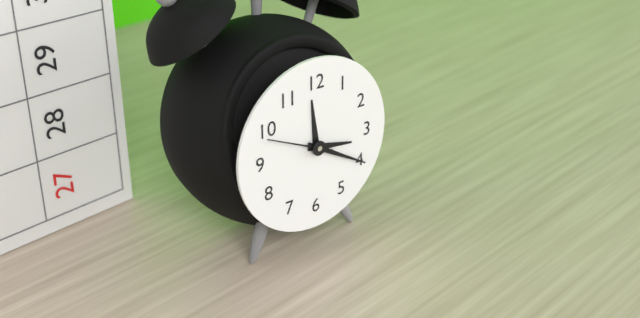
**3:20:49**
